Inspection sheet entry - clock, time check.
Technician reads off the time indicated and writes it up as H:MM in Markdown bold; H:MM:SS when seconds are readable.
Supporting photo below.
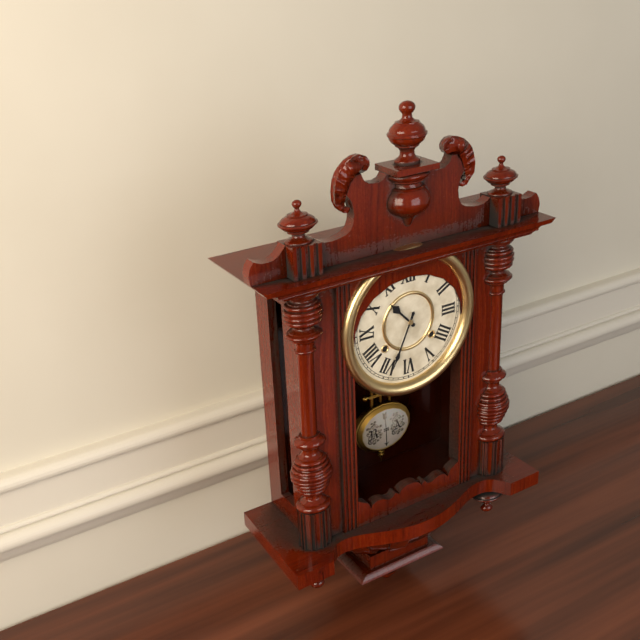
**10:34**
